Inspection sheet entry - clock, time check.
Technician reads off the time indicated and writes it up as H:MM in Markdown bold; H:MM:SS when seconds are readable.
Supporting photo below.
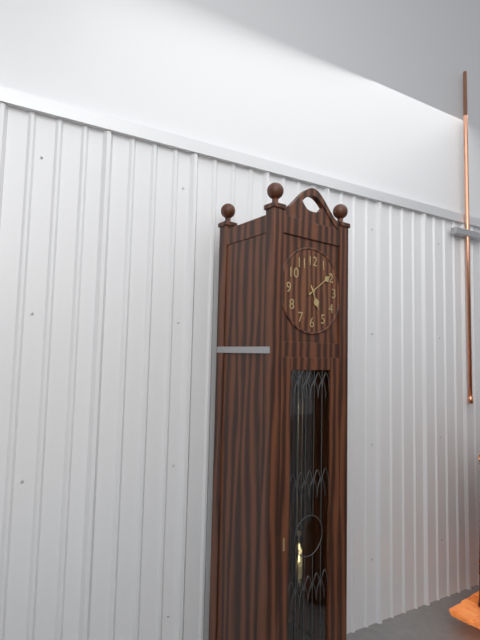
**5:09**
